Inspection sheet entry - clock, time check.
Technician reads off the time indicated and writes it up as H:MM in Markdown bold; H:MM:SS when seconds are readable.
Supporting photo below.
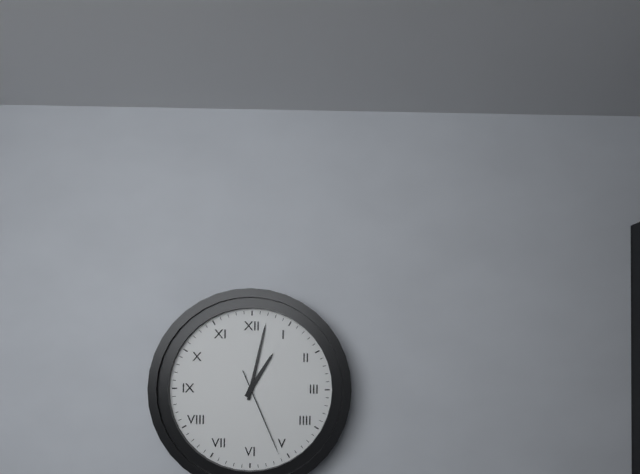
**1:02:26**
